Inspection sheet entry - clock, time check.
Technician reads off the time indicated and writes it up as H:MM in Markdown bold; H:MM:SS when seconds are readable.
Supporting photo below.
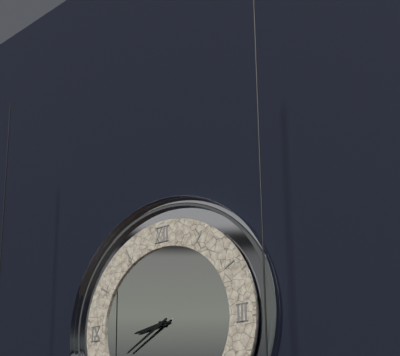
**8:40**
